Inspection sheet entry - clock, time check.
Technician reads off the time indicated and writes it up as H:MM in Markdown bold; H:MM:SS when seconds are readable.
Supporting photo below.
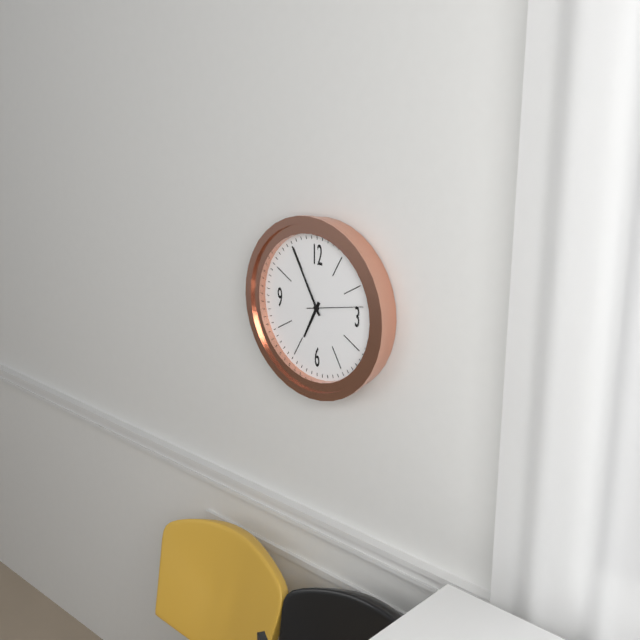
**6:55:13**
